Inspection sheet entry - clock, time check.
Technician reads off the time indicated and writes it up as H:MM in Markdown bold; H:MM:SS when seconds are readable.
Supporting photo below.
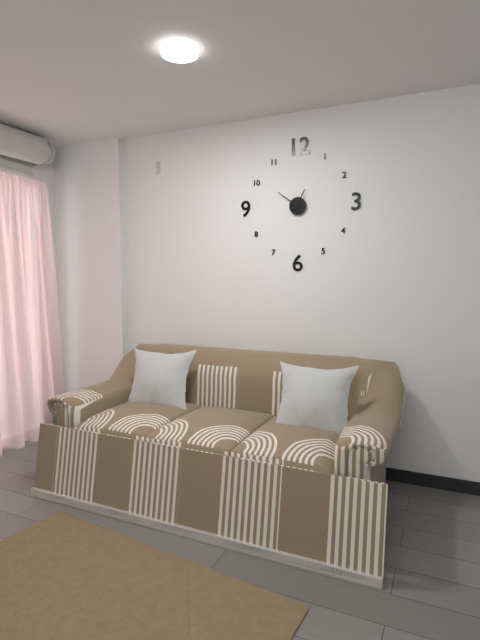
**12:51**
